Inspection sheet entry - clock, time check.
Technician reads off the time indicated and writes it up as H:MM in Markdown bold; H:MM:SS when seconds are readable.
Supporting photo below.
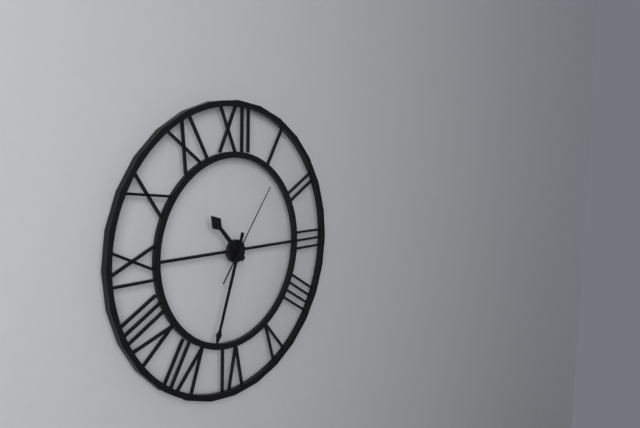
**10:33:06**
